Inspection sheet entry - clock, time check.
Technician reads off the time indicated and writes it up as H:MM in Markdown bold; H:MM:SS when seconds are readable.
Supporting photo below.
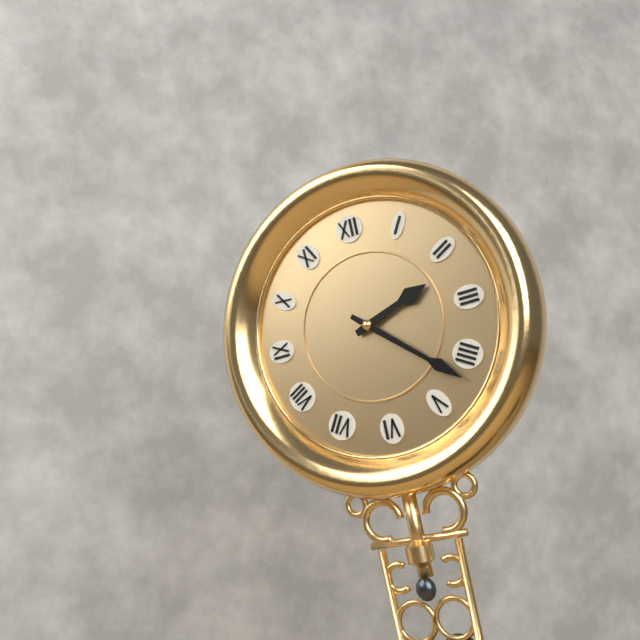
**2:22**
